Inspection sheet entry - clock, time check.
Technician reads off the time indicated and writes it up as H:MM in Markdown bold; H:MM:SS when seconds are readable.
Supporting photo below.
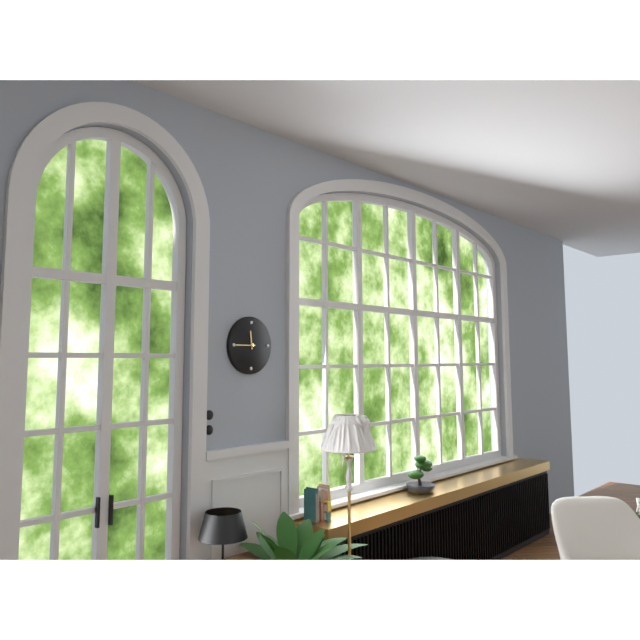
**11:45**
